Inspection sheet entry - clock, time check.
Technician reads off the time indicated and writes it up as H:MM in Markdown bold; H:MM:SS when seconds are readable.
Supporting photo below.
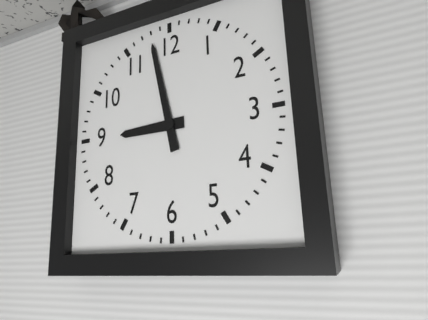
**8:58**
